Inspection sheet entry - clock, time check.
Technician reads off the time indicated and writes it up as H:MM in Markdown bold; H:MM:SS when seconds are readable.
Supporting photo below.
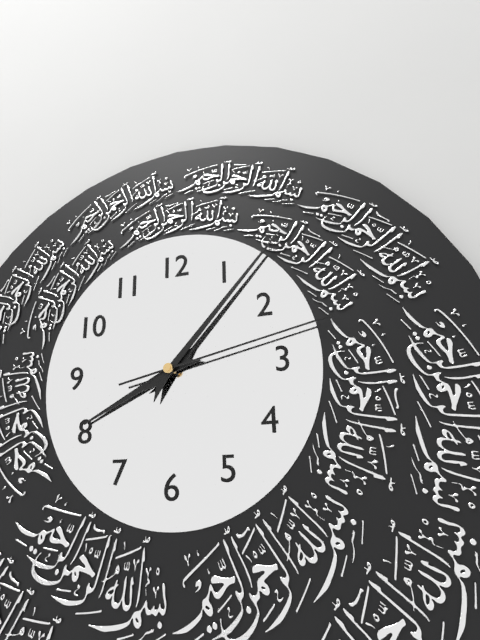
**8:07:13**
